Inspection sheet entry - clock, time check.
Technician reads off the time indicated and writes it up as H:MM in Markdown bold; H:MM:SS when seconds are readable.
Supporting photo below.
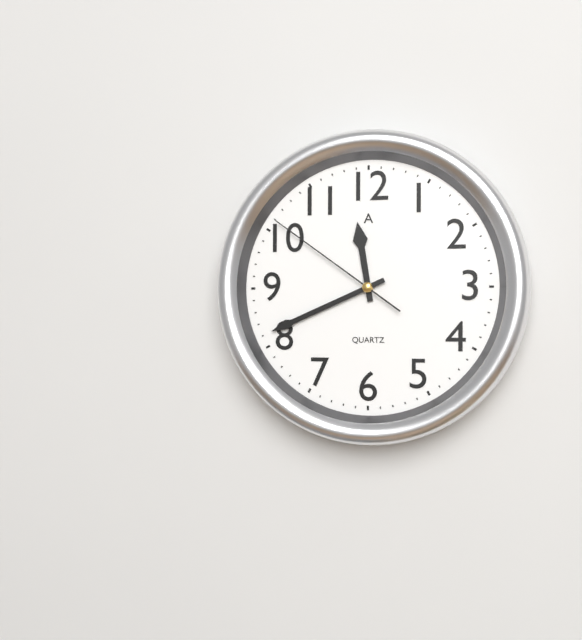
**11:41:51**
